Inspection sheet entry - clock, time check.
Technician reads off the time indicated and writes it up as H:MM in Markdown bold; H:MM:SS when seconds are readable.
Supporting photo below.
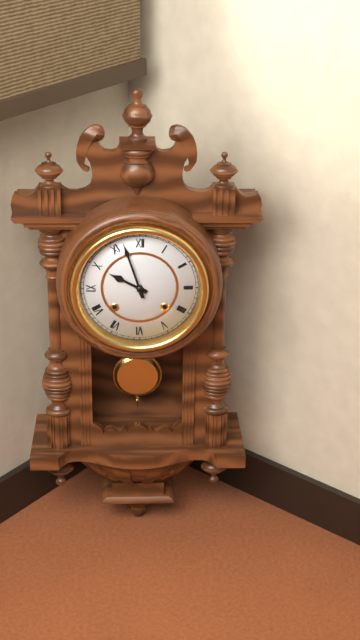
**9:57**
